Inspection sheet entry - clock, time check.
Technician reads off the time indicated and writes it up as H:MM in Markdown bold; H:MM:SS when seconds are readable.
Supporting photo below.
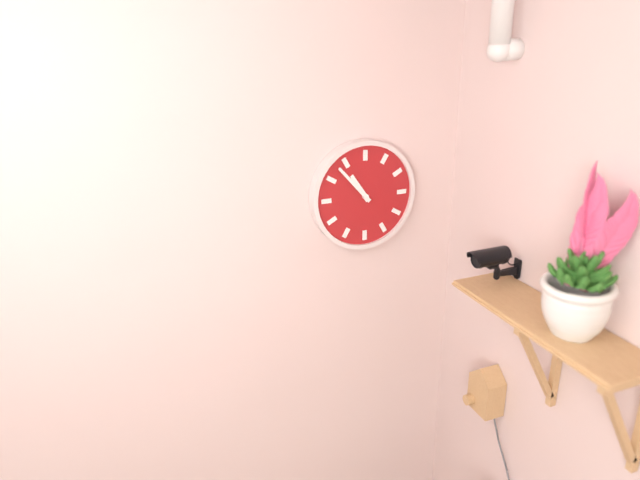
**10:53**
